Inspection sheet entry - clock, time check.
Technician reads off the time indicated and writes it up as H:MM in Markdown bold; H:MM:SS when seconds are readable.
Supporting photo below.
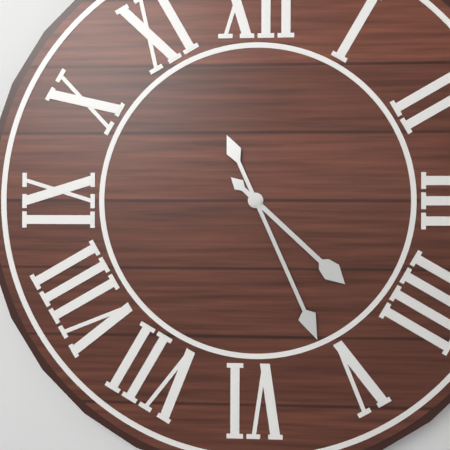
**4:26**
